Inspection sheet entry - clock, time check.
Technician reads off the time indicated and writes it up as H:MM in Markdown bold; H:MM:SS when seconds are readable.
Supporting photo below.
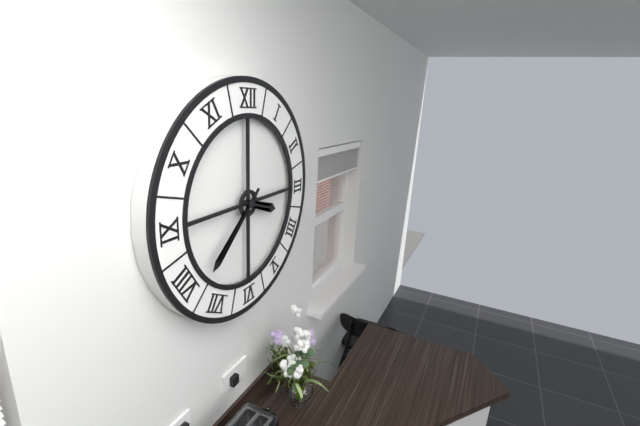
**3:38**
